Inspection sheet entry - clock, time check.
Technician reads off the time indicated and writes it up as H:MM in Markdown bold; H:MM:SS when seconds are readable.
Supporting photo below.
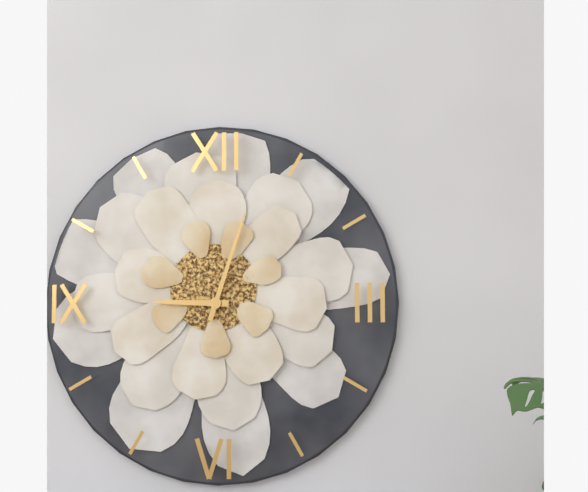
**9:03**
